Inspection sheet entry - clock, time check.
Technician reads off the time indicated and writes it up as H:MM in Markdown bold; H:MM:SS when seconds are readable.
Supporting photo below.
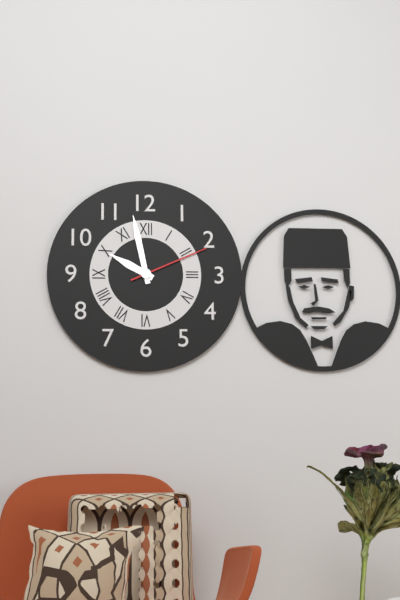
**9:58:11**
